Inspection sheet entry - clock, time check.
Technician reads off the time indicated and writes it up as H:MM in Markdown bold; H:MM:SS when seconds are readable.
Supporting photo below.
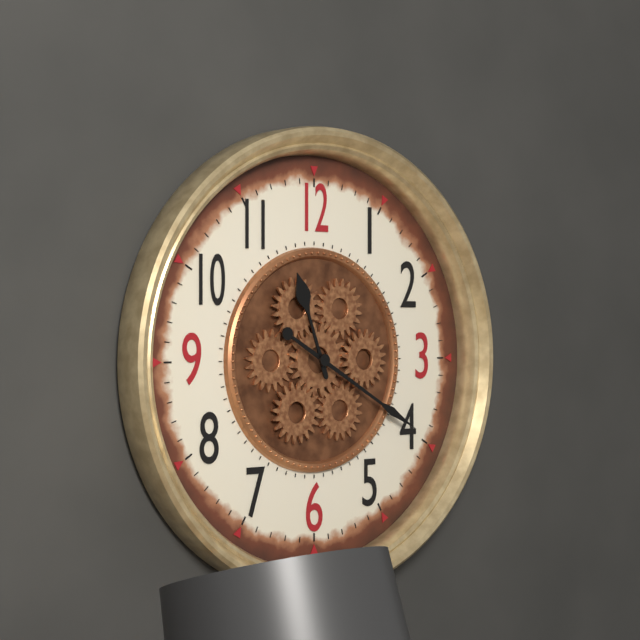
**11:20**
